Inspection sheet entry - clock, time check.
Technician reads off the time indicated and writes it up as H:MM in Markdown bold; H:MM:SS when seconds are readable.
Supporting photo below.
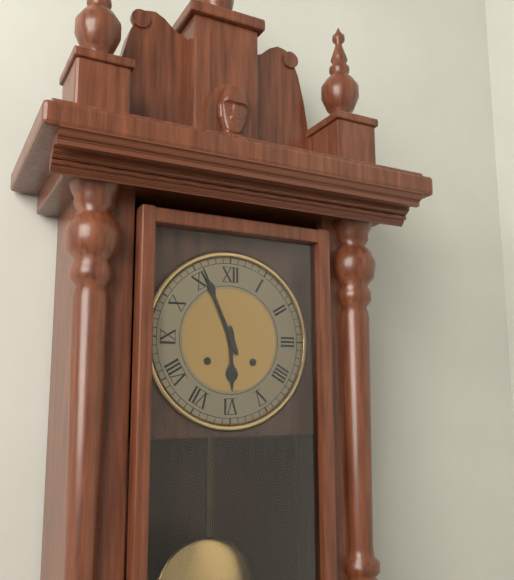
**5:56**
